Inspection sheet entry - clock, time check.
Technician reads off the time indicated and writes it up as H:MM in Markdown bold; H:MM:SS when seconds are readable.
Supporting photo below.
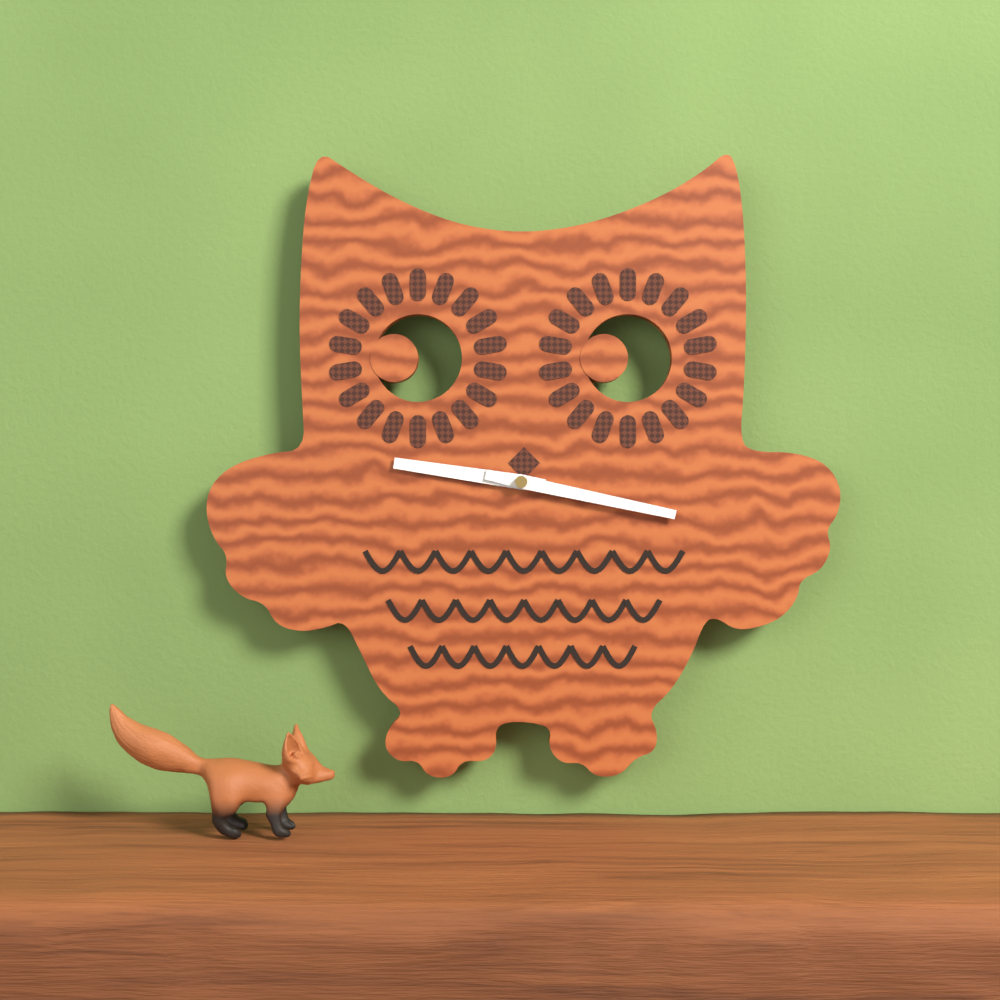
**9:17**
